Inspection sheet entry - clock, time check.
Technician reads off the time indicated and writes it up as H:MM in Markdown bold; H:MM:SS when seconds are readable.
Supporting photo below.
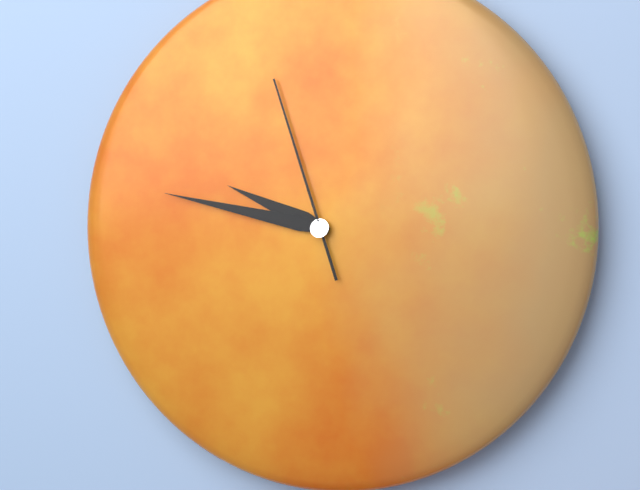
**9:47:57**
